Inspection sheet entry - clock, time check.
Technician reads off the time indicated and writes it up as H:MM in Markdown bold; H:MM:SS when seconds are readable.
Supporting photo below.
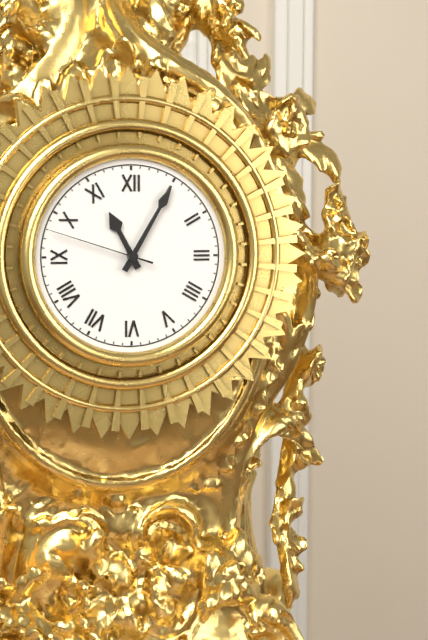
**11:05:48**
